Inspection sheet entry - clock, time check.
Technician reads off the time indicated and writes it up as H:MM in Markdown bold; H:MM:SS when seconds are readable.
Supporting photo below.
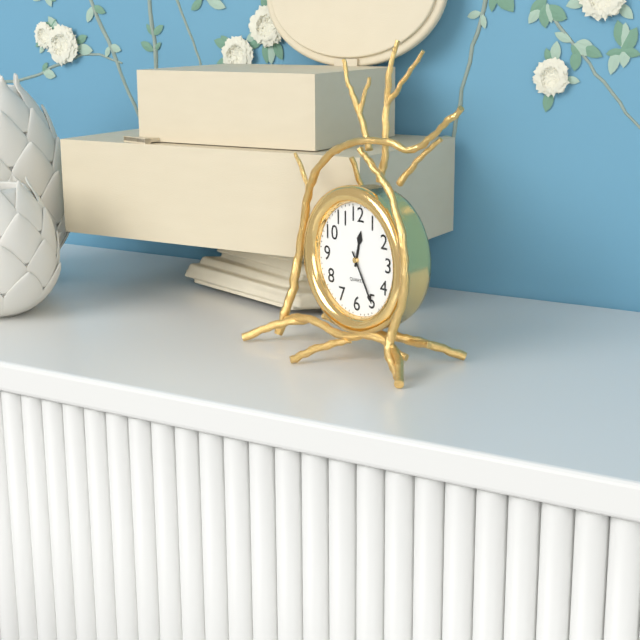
**12:25**
